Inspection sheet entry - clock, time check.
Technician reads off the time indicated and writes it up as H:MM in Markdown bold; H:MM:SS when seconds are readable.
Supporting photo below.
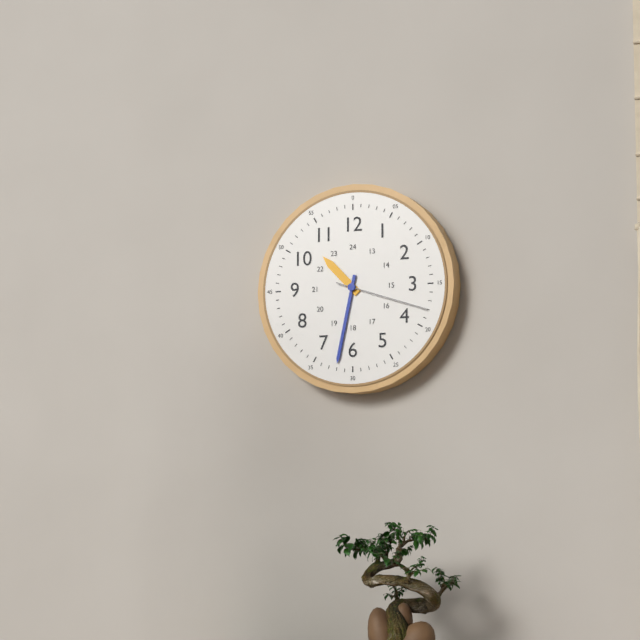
**10:32:18**
